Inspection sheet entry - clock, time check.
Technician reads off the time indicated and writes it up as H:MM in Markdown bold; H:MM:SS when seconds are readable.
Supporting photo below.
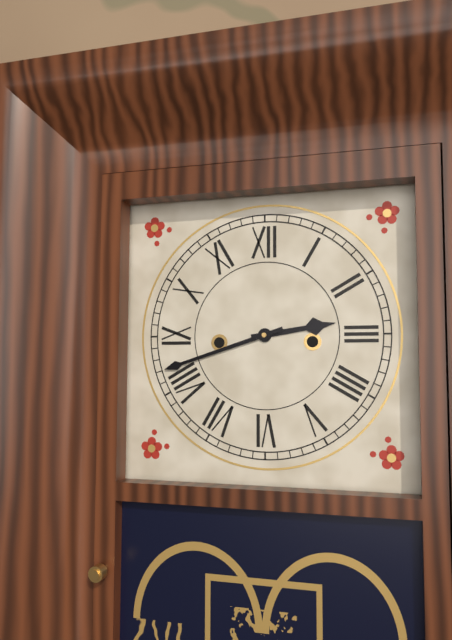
**2:42**
